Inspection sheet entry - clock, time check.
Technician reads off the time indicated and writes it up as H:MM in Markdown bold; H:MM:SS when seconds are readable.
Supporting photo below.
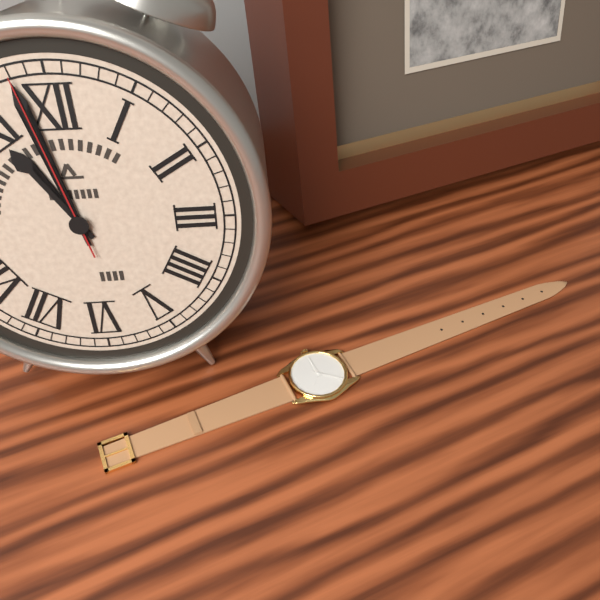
**10:58:58**
